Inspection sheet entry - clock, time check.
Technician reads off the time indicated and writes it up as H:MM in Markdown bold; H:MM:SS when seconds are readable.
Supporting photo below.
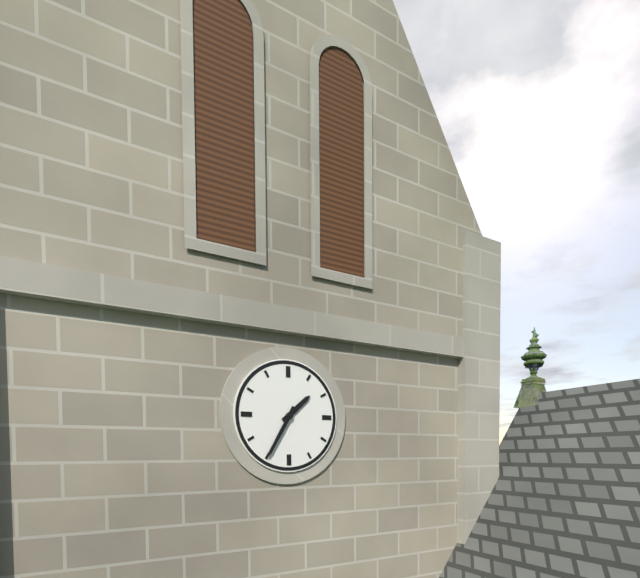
**1:35**
